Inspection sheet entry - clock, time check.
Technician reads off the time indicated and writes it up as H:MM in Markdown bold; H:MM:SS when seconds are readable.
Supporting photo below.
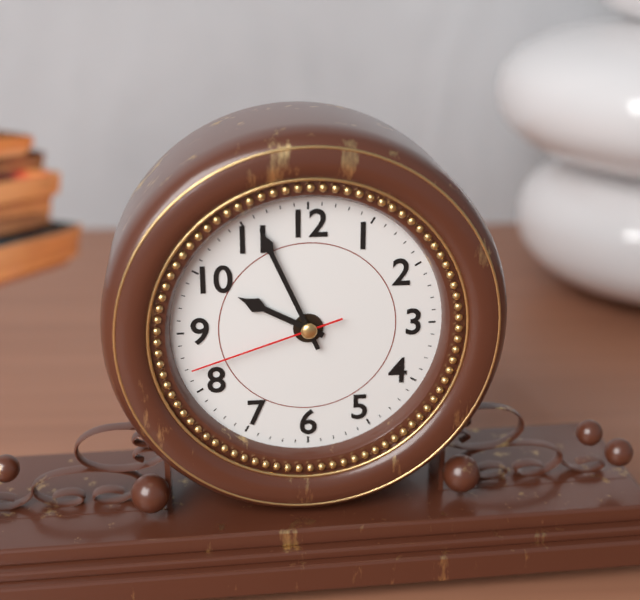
**9:56:42**
